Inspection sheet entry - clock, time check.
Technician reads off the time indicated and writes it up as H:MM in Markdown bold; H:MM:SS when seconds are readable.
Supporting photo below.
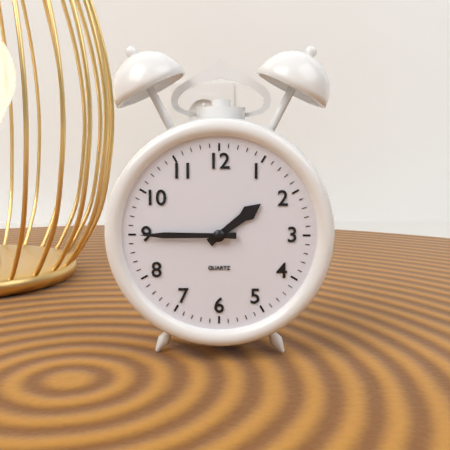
**1:45**
